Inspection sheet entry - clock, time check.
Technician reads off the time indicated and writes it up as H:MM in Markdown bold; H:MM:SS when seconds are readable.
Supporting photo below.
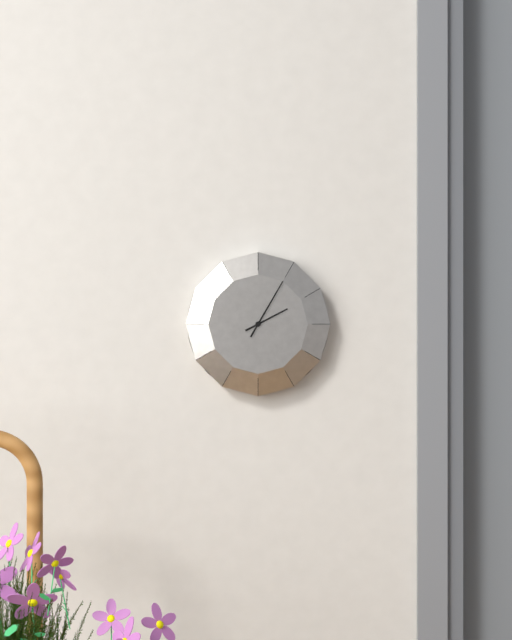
**2:05**
